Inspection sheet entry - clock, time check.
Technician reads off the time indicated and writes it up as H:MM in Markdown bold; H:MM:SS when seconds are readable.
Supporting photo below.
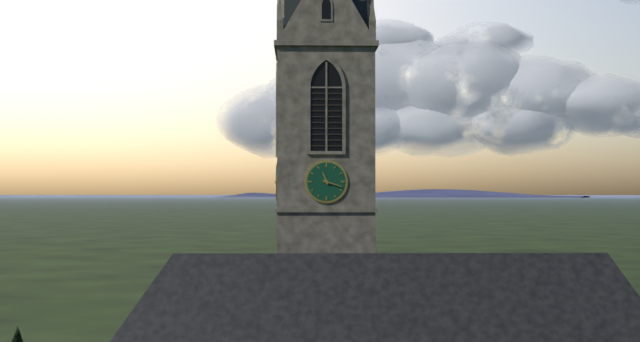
**11:18**
